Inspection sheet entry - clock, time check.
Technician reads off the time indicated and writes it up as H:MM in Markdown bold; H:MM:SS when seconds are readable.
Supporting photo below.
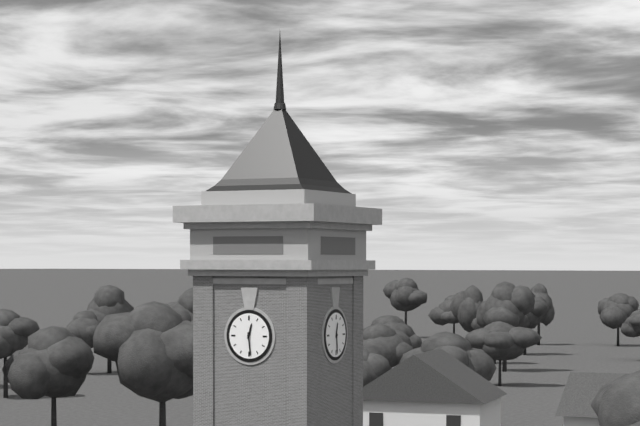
**12:29**
